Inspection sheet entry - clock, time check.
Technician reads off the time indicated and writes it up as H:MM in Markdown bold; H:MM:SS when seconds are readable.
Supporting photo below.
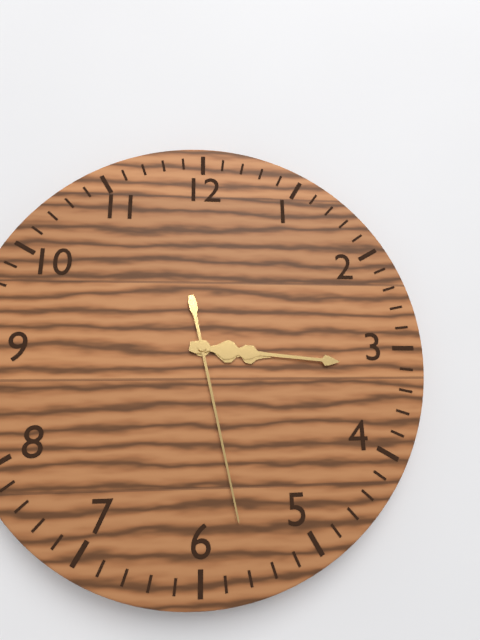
**3:16:28**
